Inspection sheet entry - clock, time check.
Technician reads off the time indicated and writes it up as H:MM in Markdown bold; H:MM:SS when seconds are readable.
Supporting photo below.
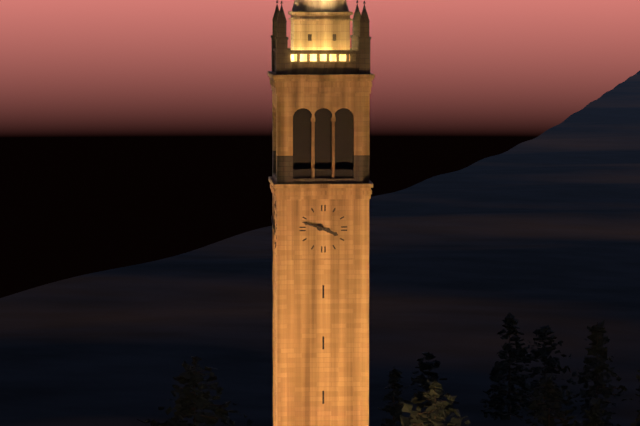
**3:48**
